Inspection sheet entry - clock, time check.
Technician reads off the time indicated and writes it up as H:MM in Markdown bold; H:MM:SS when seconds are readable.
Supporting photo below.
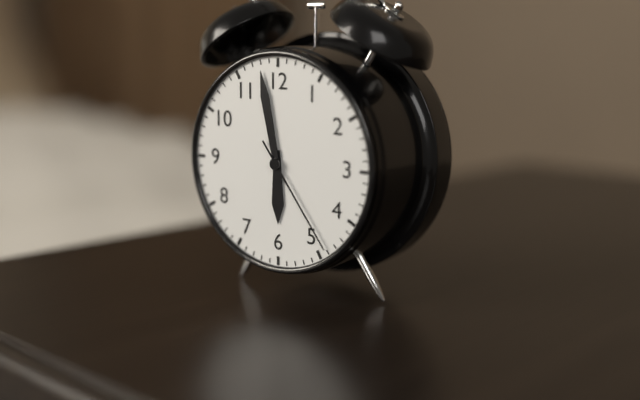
**5:58:24**
